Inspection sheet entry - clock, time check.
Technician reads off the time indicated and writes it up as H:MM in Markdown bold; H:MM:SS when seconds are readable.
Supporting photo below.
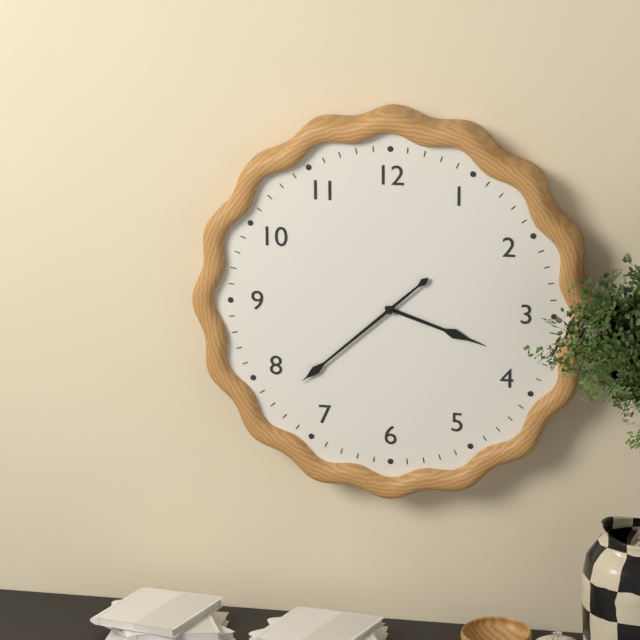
**3:38**
